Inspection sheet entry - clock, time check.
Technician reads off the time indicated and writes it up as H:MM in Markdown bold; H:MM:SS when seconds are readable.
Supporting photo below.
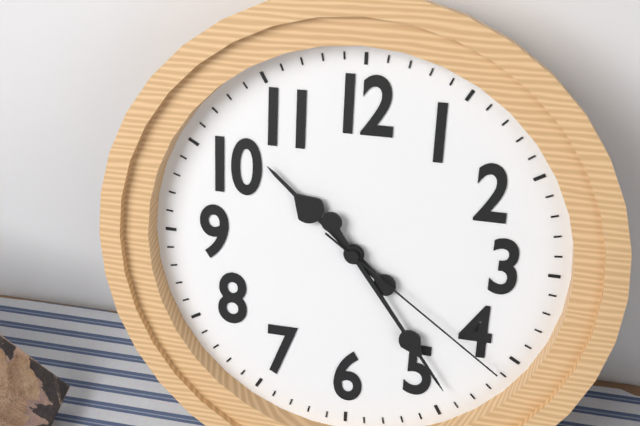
**10:24:21**
